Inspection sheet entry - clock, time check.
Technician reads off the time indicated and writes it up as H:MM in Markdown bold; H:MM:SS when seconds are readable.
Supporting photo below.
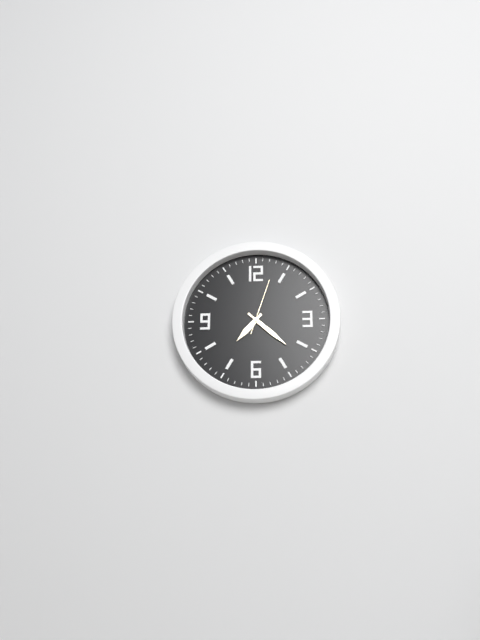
**7:22:03**
